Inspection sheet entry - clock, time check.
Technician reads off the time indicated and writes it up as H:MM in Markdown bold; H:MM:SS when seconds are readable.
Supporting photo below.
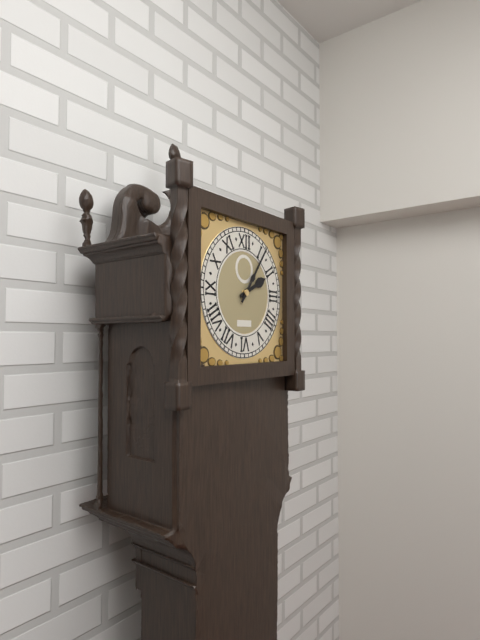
**2:06**
